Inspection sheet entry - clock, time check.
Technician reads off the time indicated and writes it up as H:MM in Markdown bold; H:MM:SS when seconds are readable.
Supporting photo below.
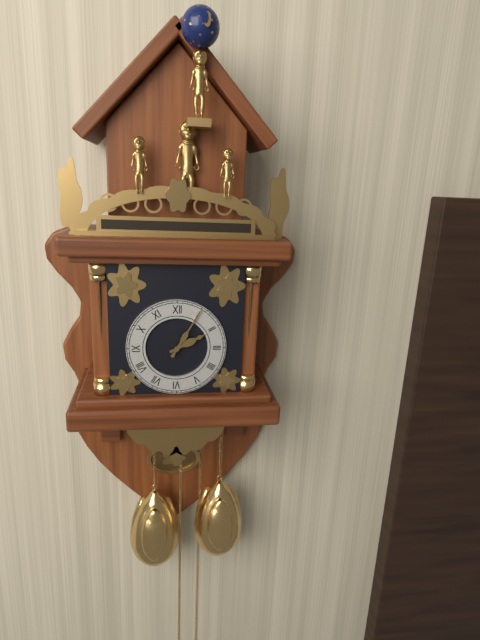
**2:05**
